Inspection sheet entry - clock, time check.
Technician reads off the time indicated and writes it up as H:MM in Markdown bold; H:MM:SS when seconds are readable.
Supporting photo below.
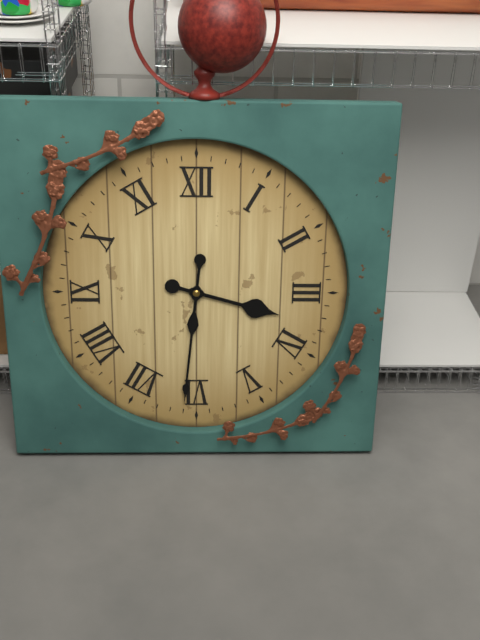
**3:31**
